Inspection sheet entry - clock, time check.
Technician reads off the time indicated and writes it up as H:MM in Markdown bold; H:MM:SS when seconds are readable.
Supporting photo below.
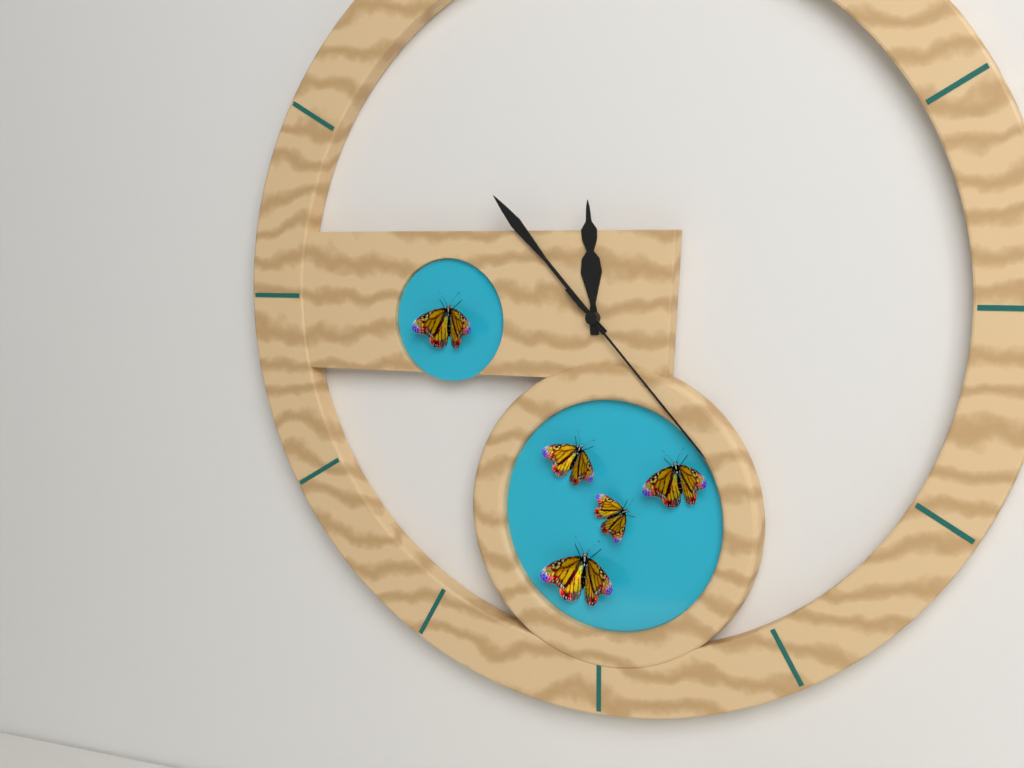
**11:53:23**
